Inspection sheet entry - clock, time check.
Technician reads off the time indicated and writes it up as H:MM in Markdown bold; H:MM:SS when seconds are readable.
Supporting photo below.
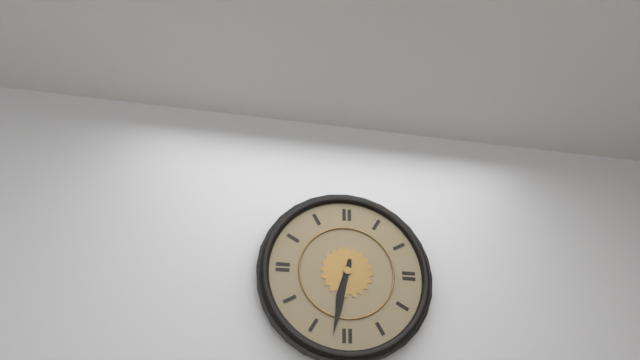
**6:32**
